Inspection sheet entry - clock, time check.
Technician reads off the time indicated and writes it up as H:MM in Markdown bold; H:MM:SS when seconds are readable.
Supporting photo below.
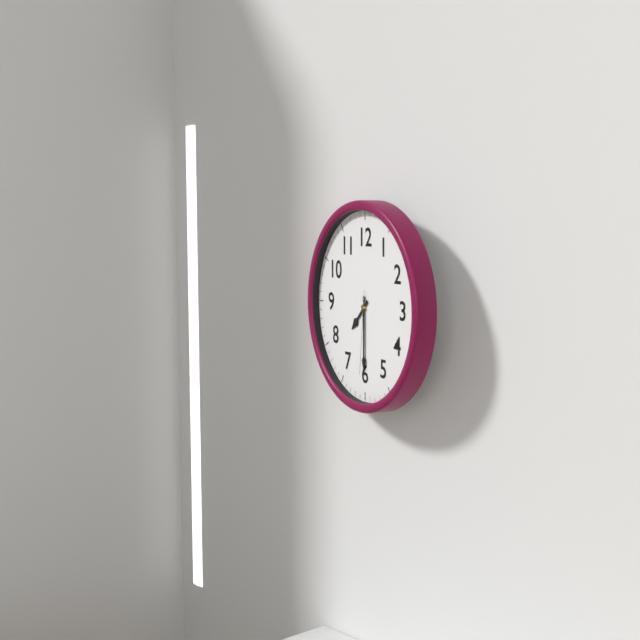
**7:30:31**
